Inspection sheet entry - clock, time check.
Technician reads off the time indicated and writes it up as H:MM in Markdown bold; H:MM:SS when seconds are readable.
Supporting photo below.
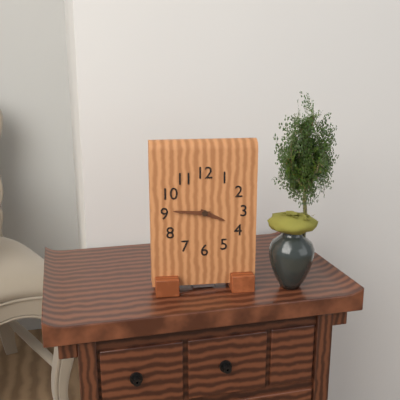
**3:46**
